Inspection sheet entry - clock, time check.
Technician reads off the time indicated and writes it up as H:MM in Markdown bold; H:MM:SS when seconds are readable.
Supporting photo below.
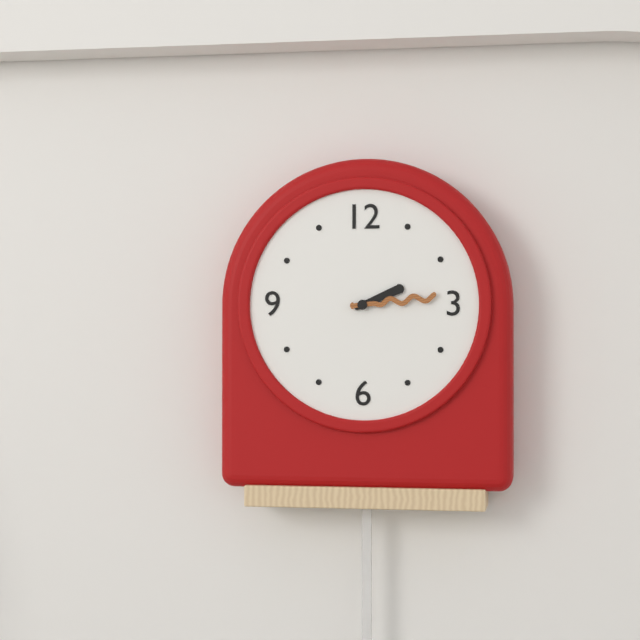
**2:14**
